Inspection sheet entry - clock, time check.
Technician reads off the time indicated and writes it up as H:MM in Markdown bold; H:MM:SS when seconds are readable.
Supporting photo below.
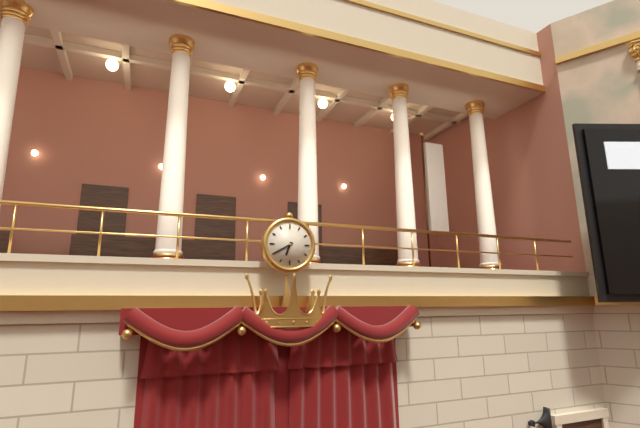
**6:40**
